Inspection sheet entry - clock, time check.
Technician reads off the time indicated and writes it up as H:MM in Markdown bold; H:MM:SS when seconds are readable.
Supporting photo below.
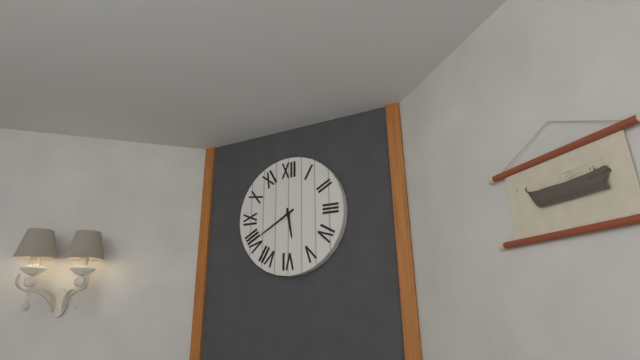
**5:40**
